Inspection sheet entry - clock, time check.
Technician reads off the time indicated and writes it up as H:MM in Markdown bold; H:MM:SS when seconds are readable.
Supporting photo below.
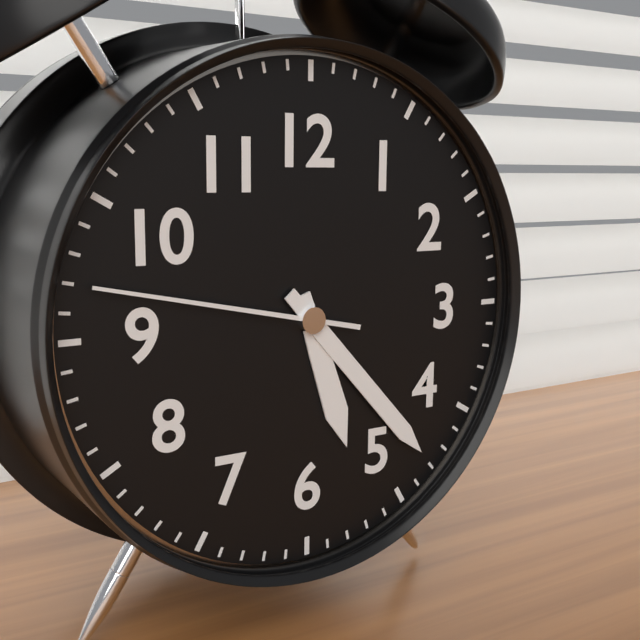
**5:23:47**
